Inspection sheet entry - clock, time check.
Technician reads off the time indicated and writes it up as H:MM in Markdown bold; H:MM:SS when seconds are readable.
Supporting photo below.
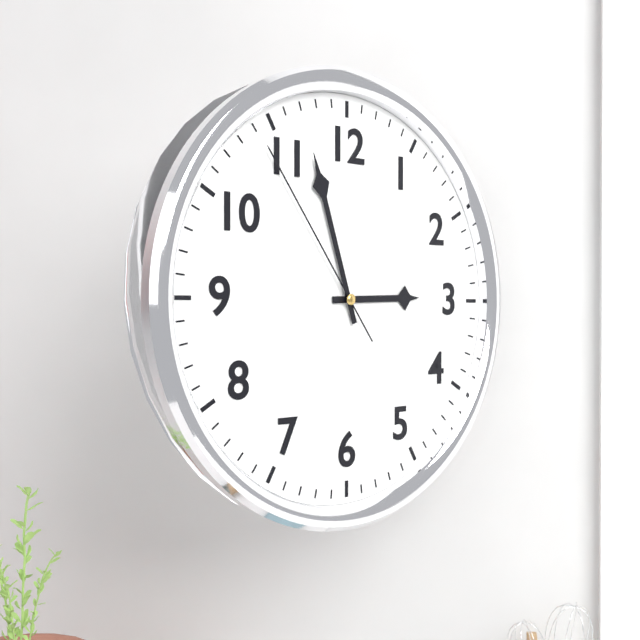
**2:57:54**
